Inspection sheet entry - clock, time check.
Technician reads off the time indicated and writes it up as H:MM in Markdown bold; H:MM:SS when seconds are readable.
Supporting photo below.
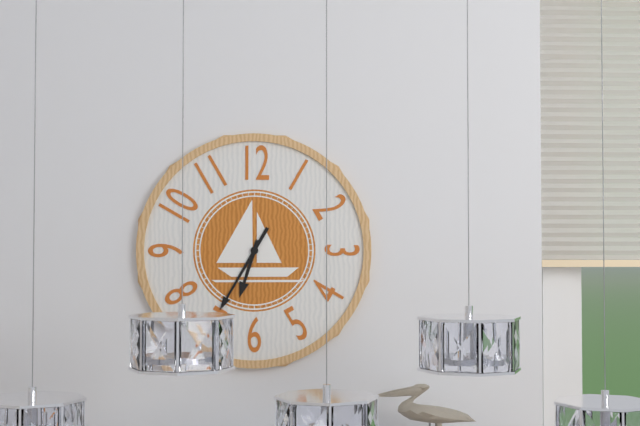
**6:35**
